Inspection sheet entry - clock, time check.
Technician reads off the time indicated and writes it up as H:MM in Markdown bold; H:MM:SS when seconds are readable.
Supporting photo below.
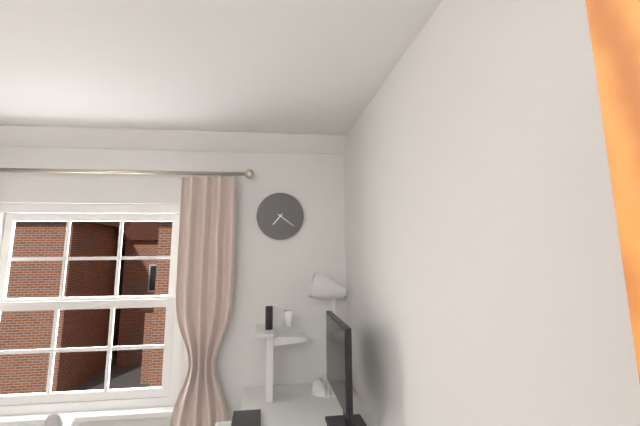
**7:21**
